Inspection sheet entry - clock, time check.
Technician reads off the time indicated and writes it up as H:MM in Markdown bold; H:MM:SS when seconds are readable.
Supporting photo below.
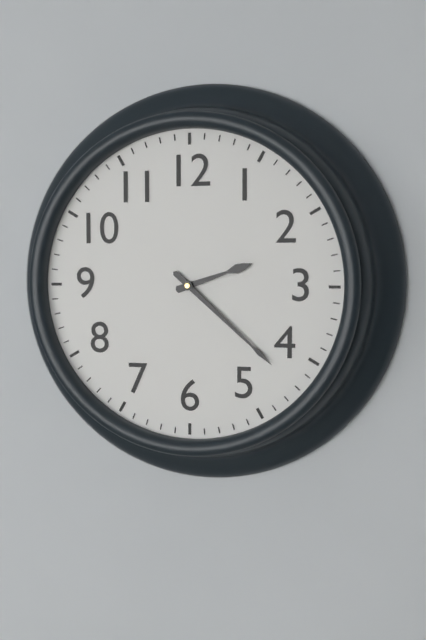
**2:22**
